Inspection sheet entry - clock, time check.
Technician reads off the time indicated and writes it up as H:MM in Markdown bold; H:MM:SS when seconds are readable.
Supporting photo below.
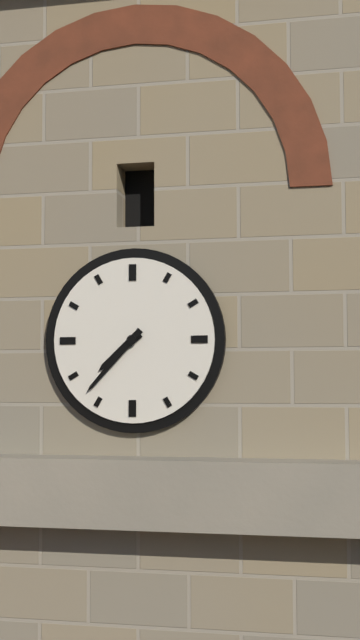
**7:37**
